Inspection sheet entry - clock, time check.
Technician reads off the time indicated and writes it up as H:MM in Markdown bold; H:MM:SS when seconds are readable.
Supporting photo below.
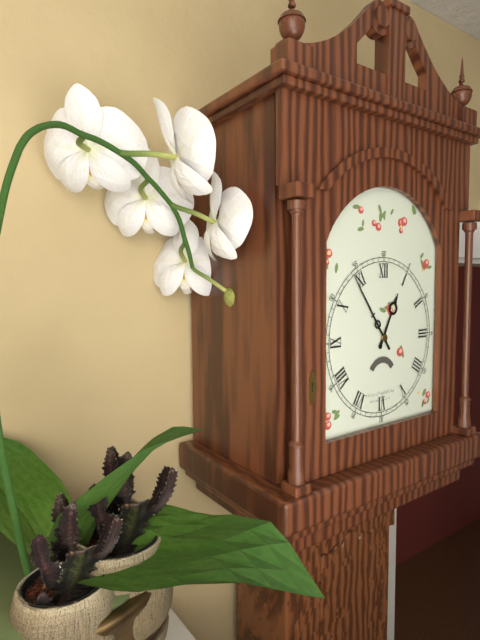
**12:54**
